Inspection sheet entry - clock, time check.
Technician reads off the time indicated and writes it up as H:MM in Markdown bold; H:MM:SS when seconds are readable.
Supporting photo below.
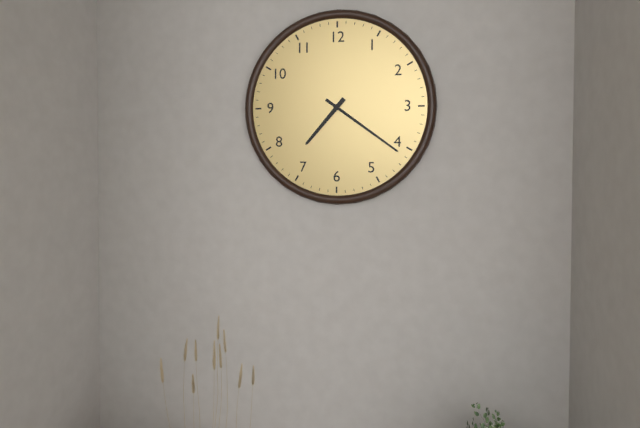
**7:21**
